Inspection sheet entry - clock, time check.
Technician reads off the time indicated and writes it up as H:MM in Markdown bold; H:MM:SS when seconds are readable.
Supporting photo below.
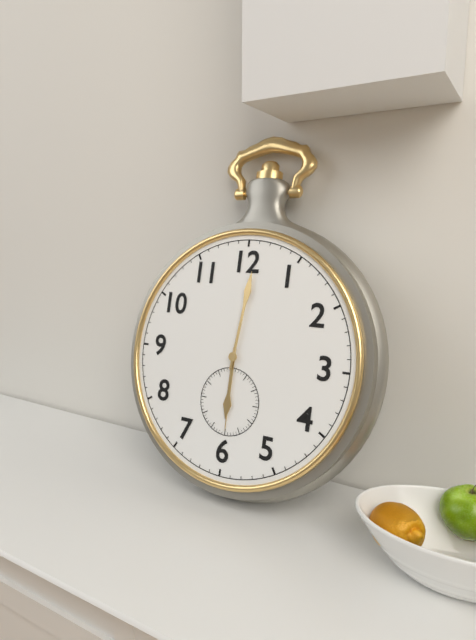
**6:01**
